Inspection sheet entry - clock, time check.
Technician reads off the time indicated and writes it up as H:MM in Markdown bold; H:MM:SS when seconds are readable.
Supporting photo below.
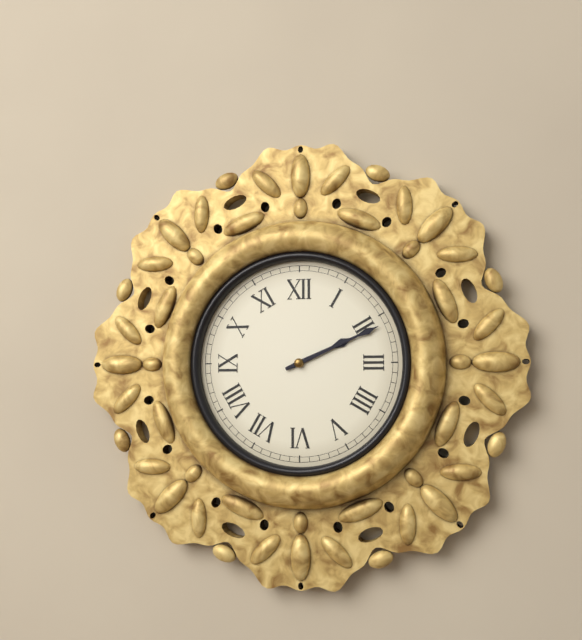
**2:11**
